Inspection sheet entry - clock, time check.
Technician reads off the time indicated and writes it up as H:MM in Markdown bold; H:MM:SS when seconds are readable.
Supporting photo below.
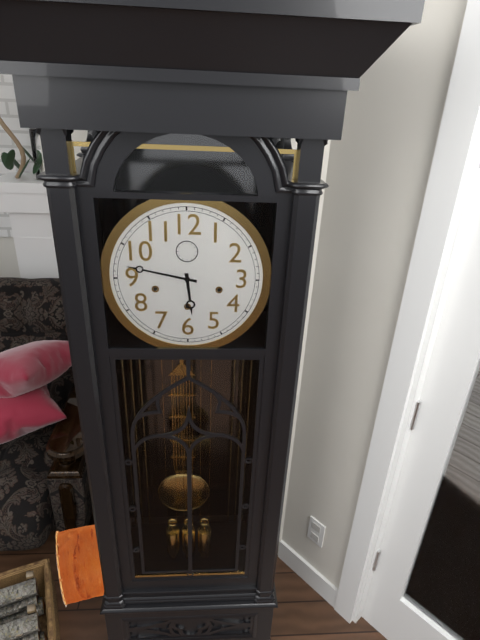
**5:47**
